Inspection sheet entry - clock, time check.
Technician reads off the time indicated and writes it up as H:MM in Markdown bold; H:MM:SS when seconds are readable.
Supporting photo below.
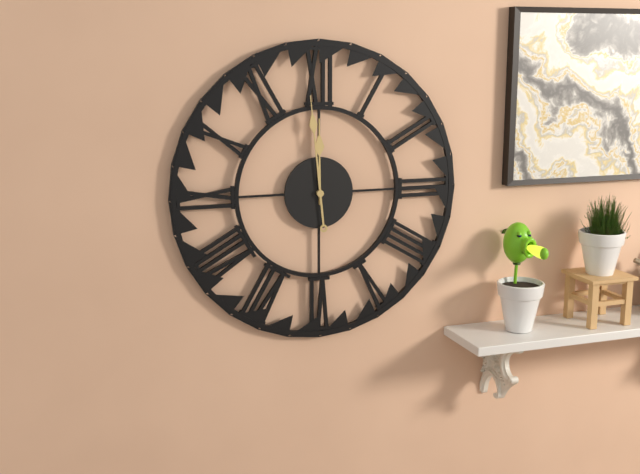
**11:59**
